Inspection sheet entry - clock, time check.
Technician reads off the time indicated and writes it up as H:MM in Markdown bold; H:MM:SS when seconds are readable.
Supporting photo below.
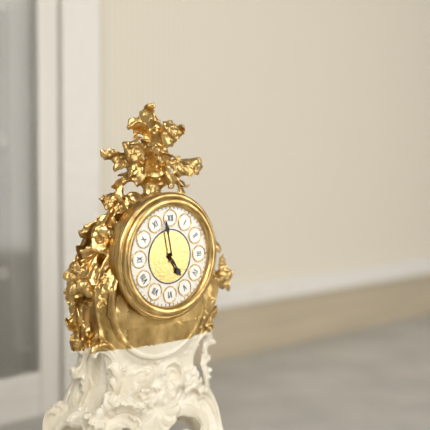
**4:58**
